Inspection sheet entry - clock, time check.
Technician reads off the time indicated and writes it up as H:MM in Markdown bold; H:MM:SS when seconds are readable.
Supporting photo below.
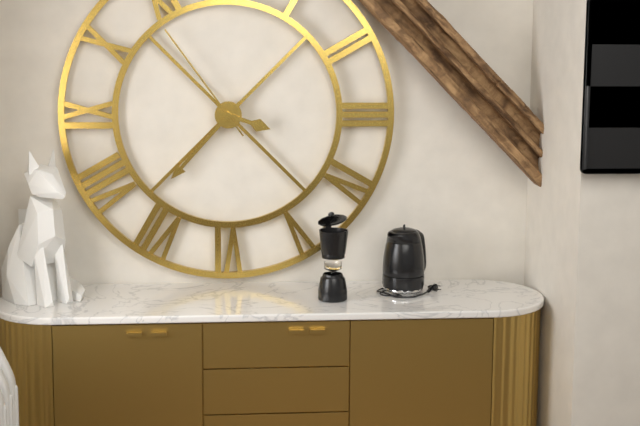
**3:37:54**
